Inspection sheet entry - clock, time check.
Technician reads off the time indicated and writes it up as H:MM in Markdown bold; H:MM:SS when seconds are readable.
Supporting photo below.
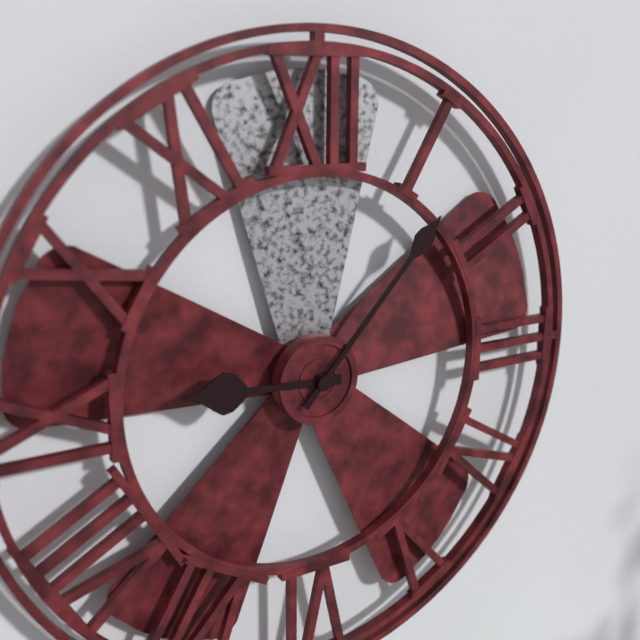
**9:07**
